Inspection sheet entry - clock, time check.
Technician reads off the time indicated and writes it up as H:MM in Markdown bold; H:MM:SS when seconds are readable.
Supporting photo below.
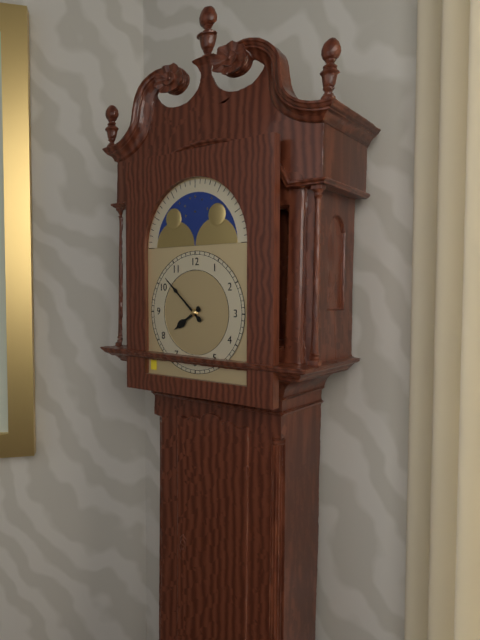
**7:52**
